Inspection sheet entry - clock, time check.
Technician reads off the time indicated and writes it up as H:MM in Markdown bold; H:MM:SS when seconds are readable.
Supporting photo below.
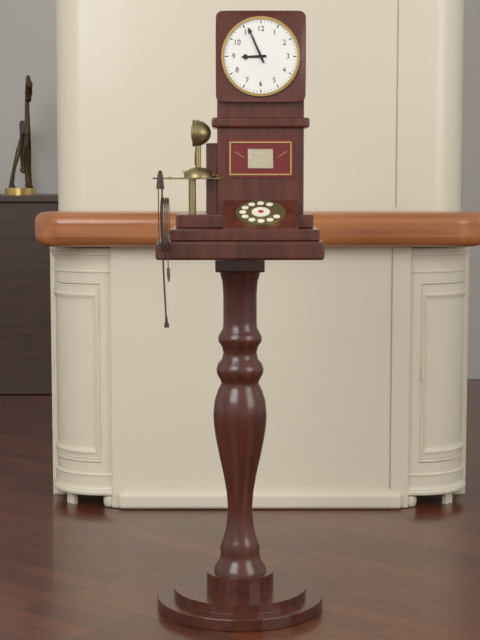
**8:56**
